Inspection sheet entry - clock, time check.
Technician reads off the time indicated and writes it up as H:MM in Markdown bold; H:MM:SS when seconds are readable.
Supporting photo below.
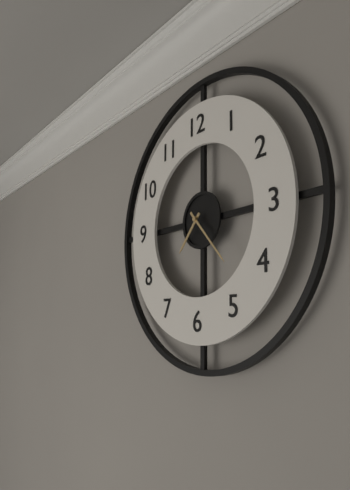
**7:23**
